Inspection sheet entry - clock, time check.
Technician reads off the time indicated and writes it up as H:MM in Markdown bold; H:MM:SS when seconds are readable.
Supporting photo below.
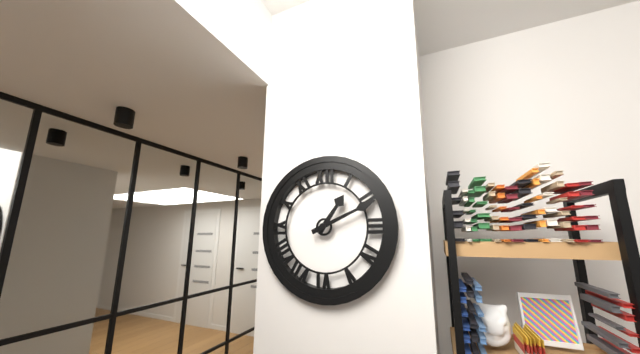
**1:11**
